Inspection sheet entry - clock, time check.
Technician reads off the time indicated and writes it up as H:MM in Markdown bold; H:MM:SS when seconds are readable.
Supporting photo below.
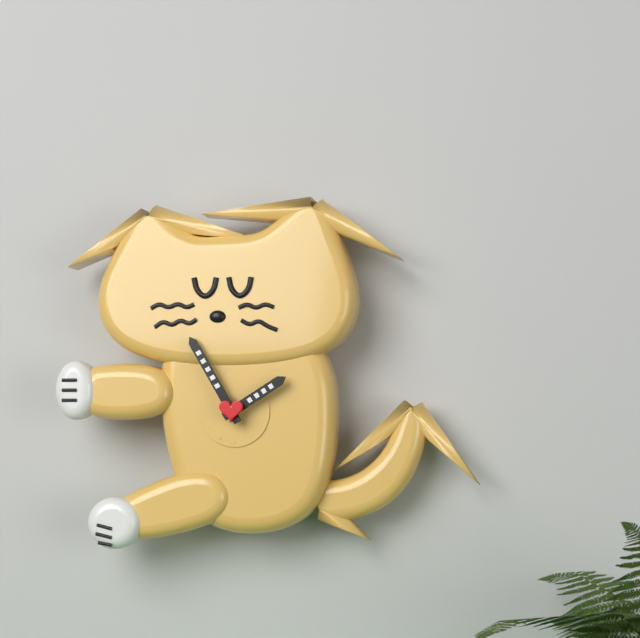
**1:55**
